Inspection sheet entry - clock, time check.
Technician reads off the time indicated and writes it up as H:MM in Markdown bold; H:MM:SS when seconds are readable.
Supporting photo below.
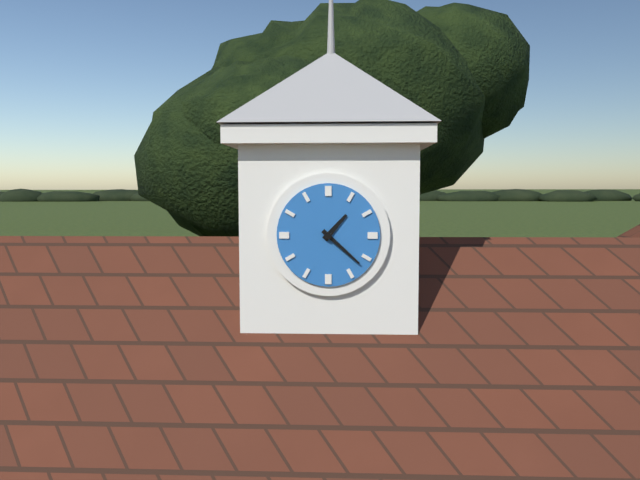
**1:22**
